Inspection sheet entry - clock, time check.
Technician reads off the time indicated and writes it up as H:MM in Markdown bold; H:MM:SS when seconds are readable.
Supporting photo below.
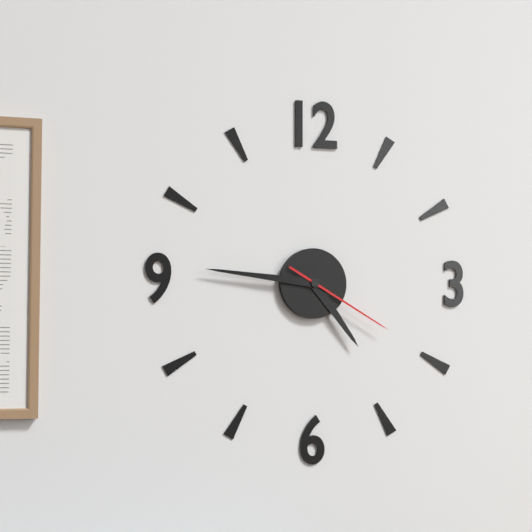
**4:46:20**
